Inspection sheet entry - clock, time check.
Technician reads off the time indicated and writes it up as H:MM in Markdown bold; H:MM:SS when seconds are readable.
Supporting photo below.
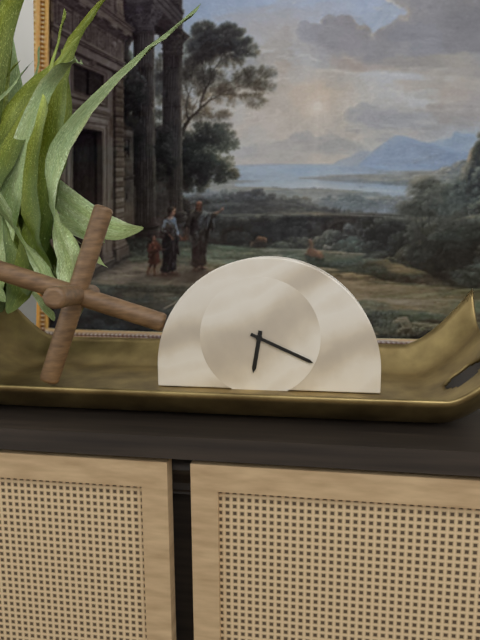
**6:19**
